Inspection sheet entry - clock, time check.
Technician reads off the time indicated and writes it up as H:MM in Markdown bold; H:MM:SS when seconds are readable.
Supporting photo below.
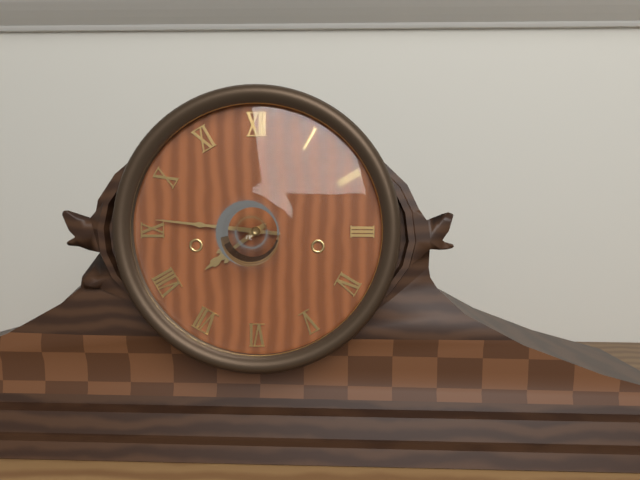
**7:46**
